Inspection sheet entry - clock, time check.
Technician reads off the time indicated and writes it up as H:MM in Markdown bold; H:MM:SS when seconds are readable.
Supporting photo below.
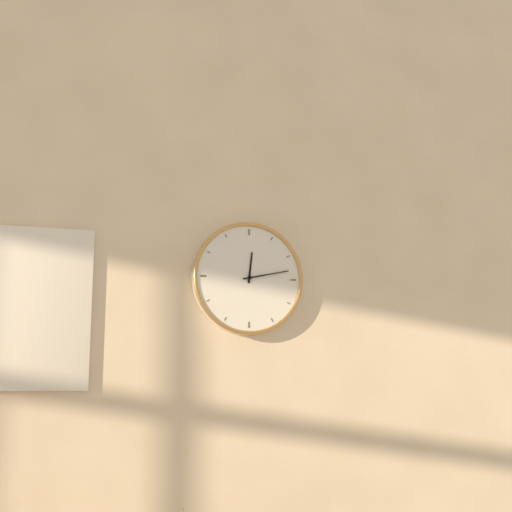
**12:13**
